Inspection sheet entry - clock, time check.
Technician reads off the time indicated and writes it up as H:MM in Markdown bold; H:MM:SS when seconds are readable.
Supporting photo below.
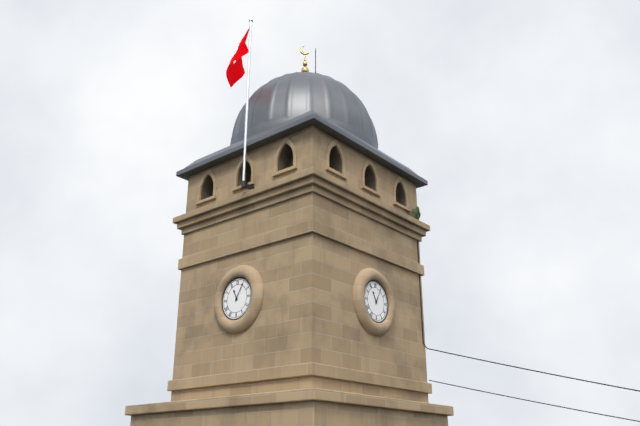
**11:05**
